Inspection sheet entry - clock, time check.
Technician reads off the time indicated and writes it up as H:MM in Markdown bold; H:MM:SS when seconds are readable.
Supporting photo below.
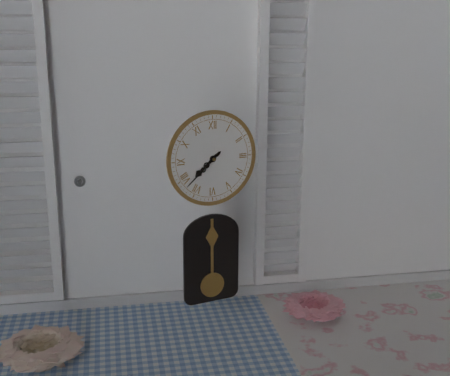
**7:38**
